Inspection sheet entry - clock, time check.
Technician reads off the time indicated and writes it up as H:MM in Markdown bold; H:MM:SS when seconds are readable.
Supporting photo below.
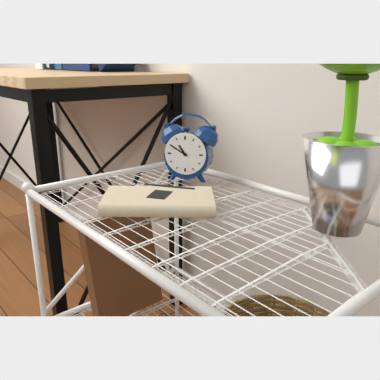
**10:50**
